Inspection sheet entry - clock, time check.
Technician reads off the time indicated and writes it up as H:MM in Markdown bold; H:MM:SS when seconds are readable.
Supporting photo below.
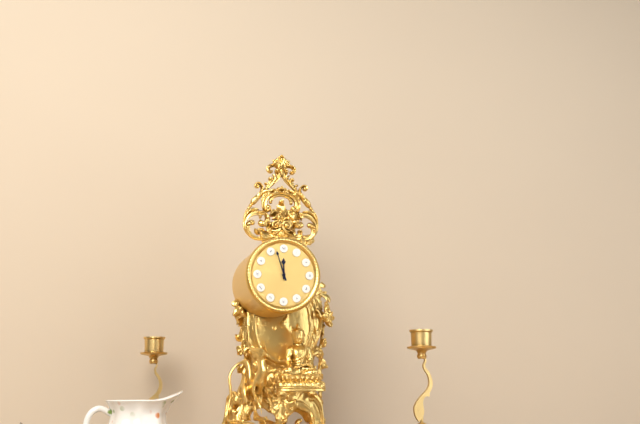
**11:57**
